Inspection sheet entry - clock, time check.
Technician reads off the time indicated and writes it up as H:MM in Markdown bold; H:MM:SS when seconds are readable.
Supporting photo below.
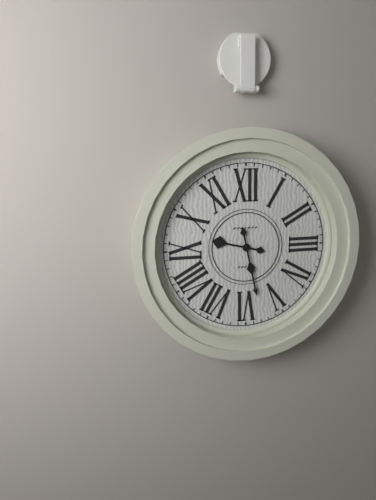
**9:28**
